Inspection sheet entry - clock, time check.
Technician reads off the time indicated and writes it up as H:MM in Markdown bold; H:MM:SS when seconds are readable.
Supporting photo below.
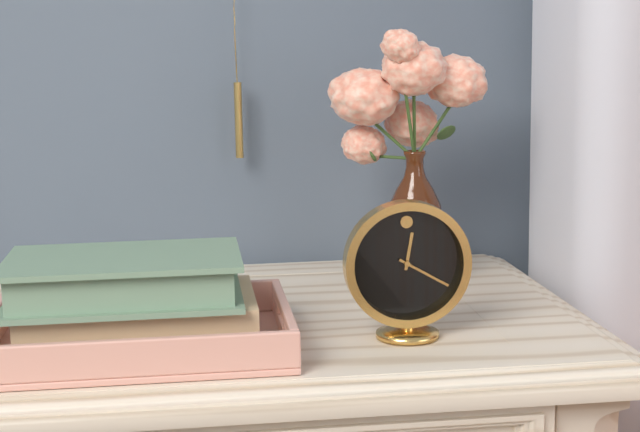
**12:20**
